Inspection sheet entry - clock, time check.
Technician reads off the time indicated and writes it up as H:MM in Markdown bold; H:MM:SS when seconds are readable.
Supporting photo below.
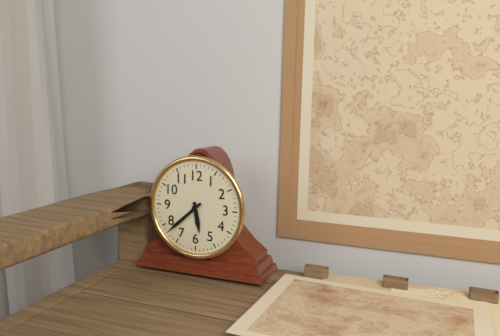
**5:38**
